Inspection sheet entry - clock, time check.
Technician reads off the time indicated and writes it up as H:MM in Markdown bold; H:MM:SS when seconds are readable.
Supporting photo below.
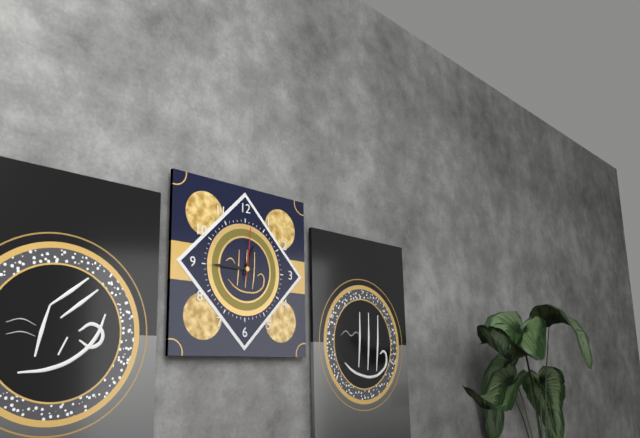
**12:45:01**
